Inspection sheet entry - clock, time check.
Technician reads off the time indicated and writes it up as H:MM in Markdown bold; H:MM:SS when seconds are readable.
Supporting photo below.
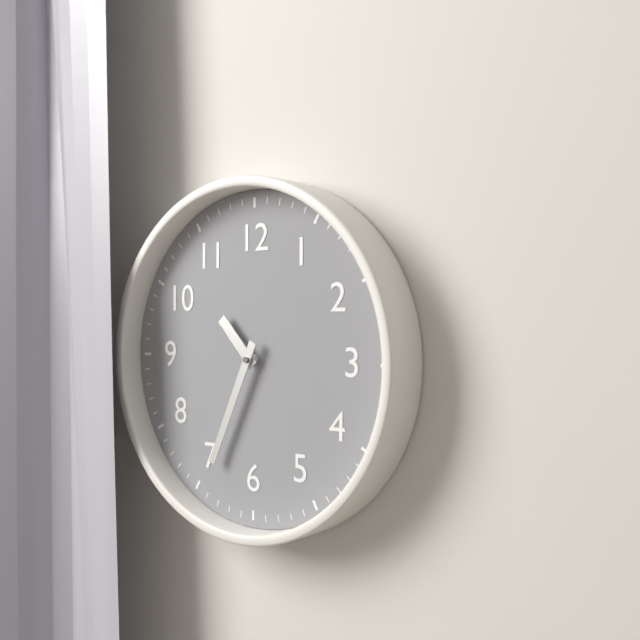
**10:34**
